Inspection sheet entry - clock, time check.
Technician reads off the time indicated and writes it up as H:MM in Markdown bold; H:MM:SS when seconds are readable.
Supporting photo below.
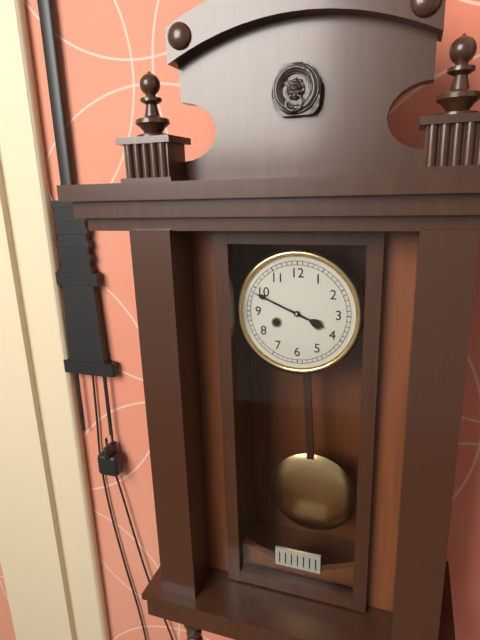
**3:49**
